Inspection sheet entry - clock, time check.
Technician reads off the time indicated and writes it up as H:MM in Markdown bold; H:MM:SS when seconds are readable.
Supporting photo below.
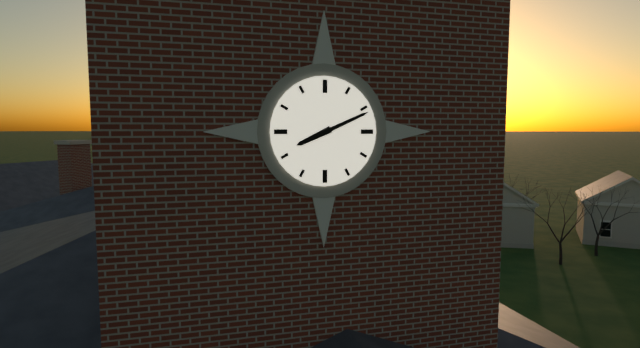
**8:11**
